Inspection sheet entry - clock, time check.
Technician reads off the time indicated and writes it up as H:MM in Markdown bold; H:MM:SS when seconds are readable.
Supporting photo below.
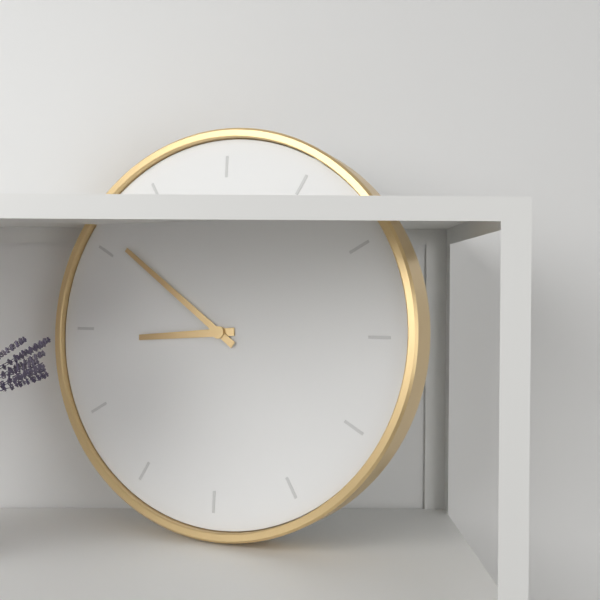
**8:51**
